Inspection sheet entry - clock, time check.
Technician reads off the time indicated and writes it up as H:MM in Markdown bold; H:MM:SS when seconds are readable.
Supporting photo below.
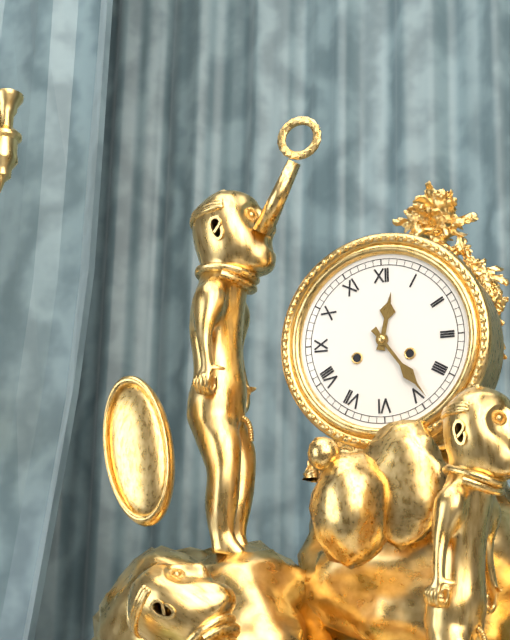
**12:24**
